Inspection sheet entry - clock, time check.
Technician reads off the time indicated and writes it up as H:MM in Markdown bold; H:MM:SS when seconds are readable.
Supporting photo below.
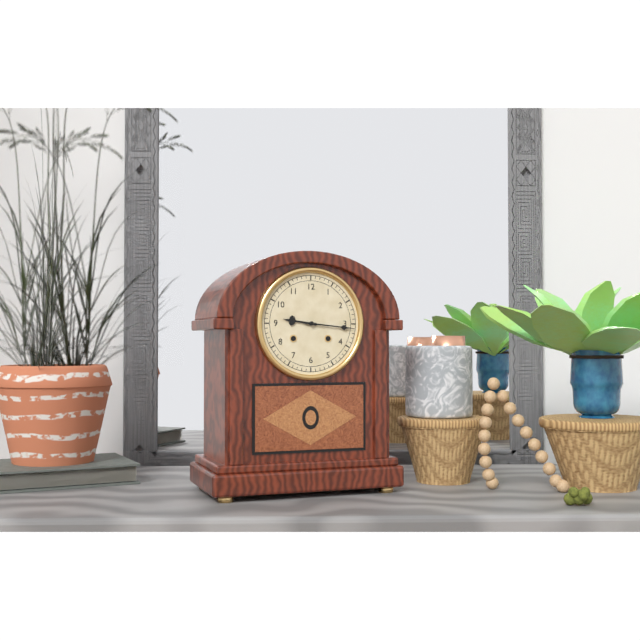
**9:16**
